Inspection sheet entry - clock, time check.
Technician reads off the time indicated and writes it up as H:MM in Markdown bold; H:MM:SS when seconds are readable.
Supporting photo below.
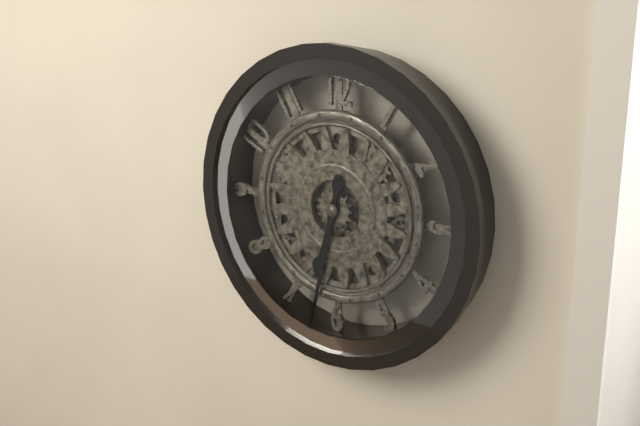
**6:32**
